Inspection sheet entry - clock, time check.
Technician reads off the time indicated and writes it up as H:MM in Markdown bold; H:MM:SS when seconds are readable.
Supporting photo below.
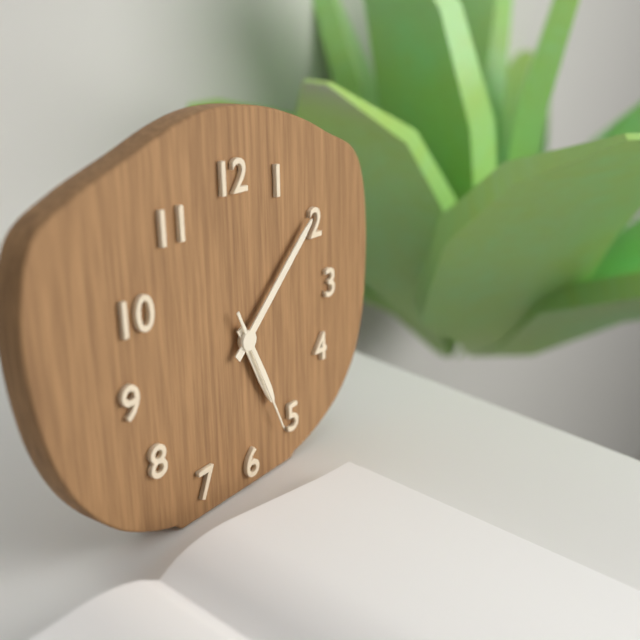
**5:08:26**
